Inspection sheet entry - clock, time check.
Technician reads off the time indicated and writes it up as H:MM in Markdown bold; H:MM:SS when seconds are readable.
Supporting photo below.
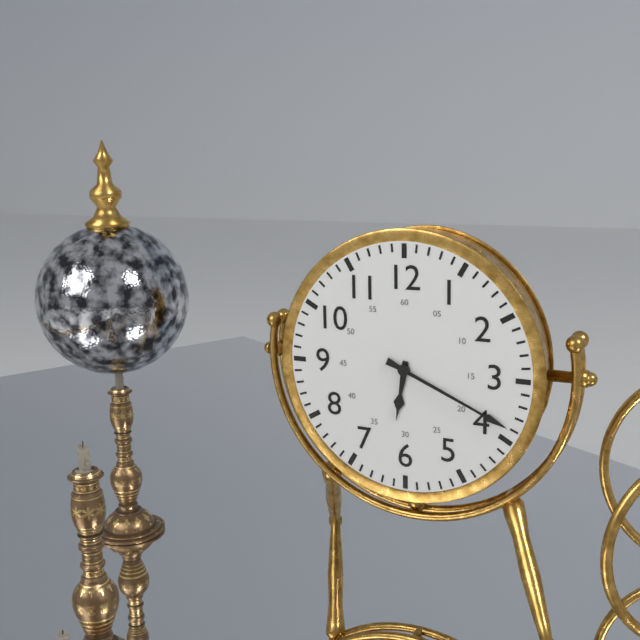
**6:19**
